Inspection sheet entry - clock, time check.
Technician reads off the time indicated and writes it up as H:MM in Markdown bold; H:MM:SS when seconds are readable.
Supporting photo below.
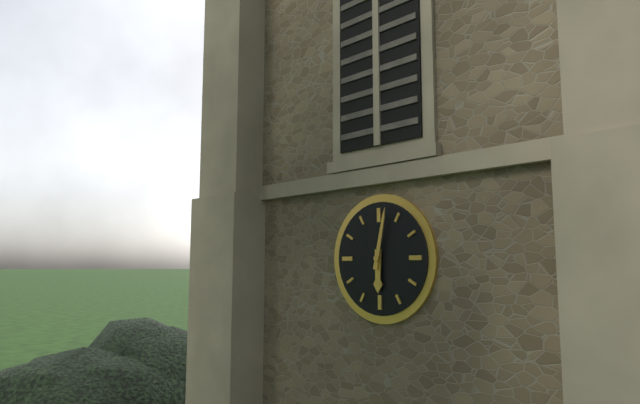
**6:02**
